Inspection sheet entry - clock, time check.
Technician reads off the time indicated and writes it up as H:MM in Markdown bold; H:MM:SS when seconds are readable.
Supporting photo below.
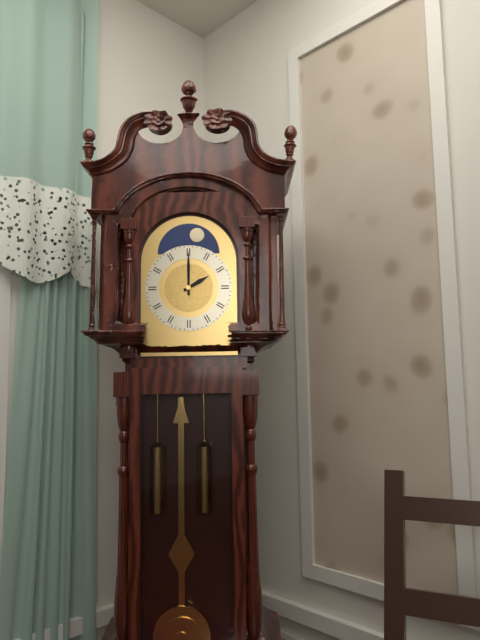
**2:00**
